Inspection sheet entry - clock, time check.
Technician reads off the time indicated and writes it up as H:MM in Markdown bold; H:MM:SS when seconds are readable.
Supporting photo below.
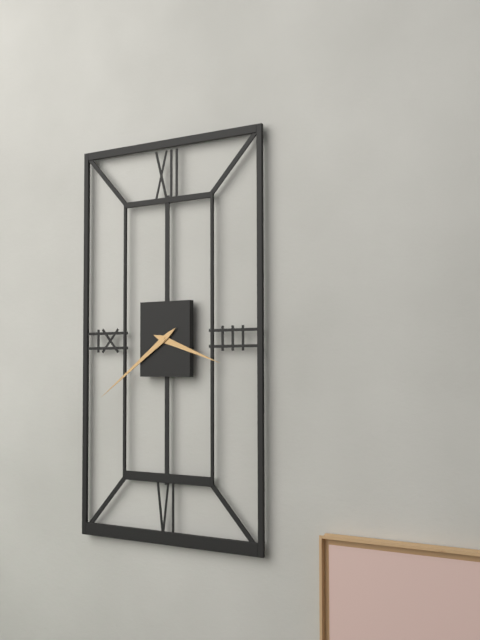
**3:39**
